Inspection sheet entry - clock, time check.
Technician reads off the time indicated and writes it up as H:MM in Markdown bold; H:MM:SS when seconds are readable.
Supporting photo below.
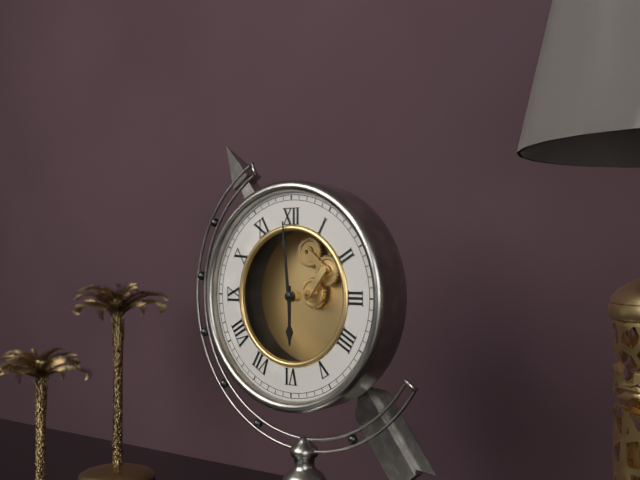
**5:59**
